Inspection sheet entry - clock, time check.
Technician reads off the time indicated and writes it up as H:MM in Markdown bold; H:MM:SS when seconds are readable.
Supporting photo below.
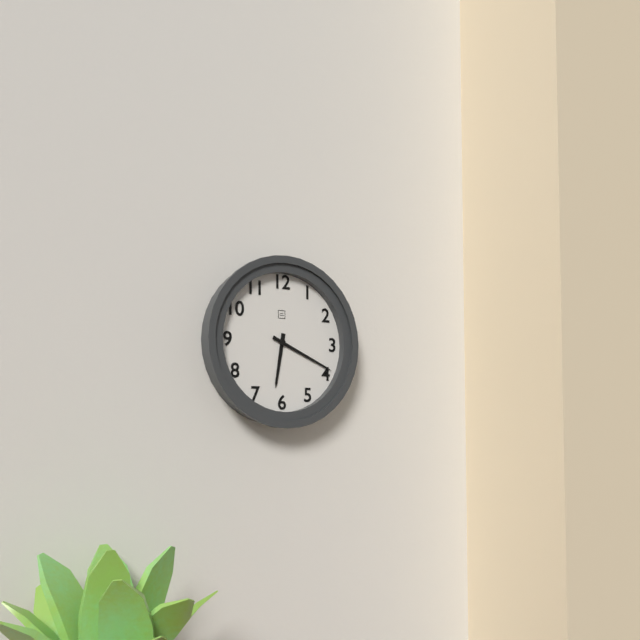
**6:19**
